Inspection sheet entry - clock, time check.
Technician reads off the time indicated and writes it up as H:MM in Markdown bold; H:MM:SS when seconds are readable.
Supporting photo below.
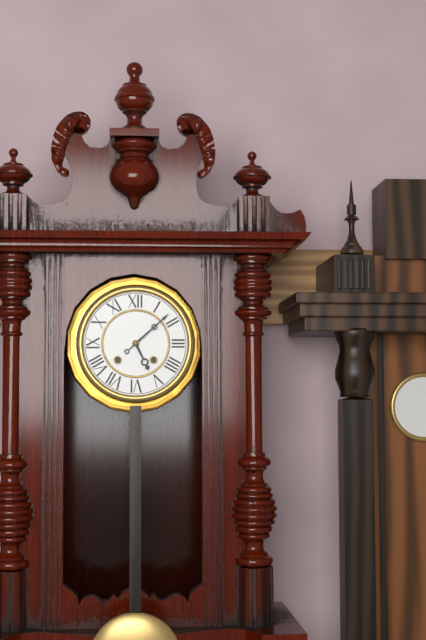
**5:08**
